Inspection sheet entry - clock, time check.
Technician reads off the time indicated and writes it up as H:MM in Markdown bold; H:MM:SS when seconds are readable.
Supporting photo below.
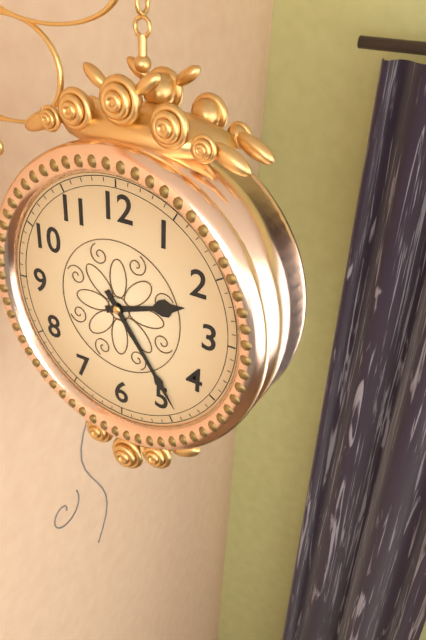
**2:24**
